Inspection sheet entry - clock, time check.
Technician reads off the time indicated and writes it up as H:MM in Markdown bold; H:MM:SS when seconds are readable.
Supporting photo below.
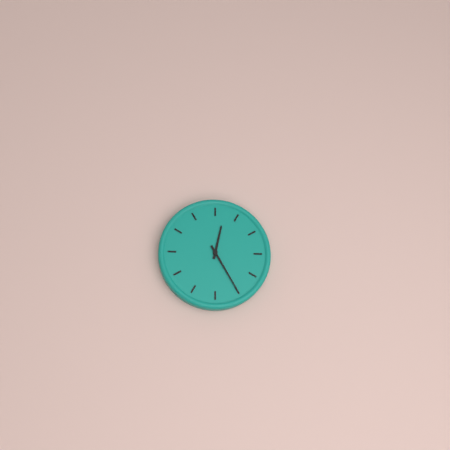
**12:25**
